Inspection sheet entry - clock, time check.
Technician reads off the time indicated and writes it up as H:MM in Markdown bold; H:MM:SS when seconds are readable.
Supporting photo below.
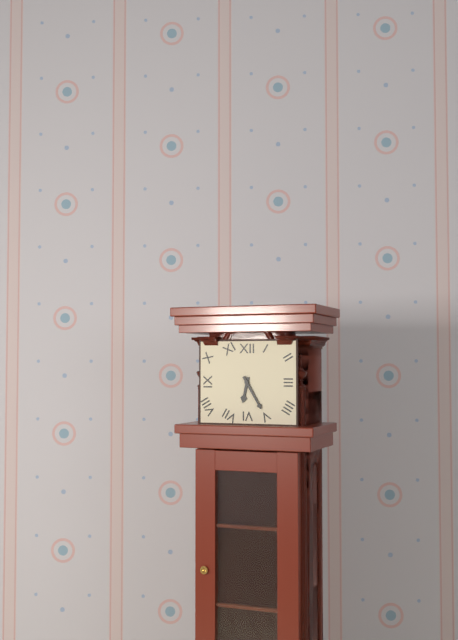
**6:25**
